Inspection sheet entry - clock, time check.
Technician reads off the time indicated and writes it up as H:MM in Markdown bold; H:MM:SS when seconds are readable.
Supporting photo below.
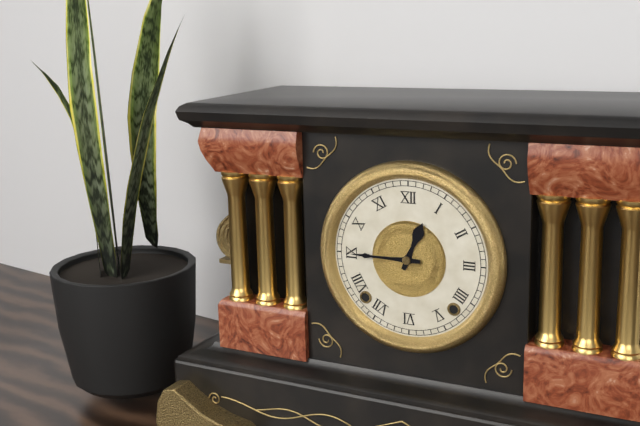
**12:45**
